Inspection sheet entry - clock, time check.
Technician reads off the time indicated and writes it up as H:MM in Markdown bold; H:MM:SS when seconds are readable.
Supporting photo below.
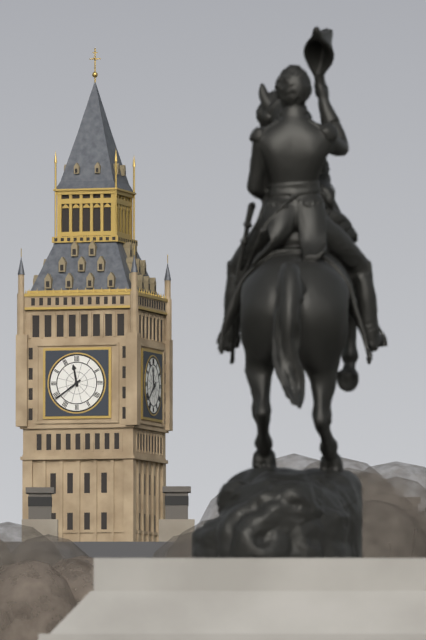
**11:39**
